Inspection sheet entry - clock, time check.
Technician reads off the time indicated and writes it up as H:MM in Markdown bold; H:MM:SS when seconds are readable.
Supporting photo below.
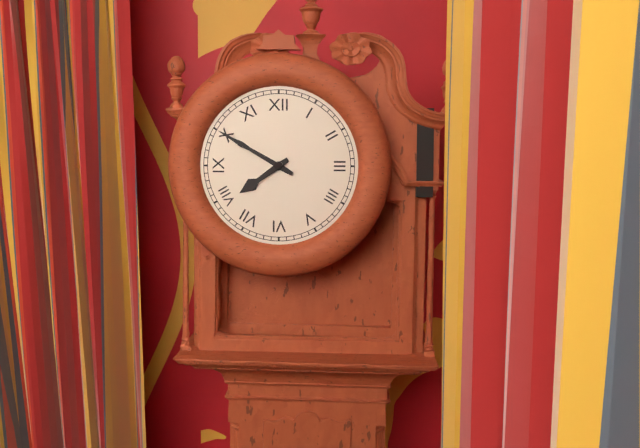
**7:50**
